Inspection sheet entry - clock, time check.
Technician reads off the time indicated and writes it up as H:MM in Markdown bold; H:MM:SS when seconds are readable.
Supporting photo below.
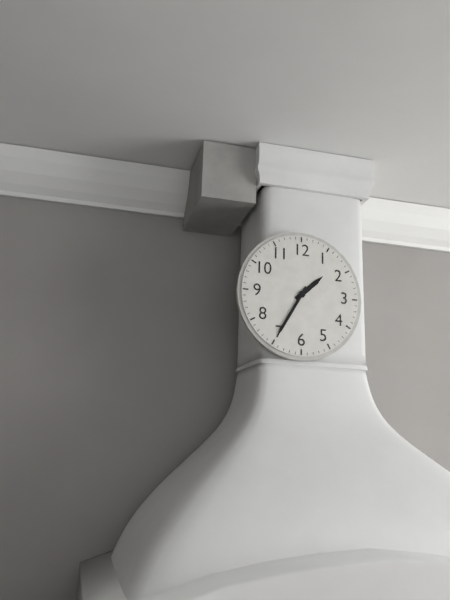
**1:35**
